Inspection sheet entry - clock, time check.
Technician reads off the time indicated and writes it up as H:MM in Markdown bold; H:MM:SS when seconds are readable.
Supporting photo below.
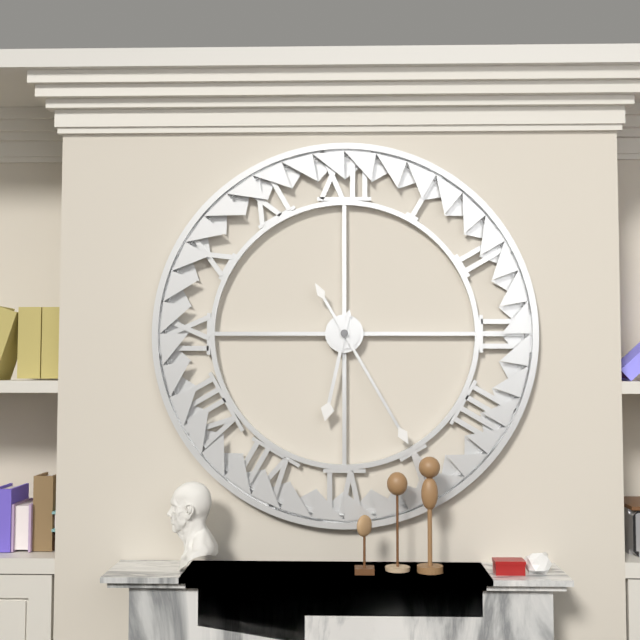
**6:25**
